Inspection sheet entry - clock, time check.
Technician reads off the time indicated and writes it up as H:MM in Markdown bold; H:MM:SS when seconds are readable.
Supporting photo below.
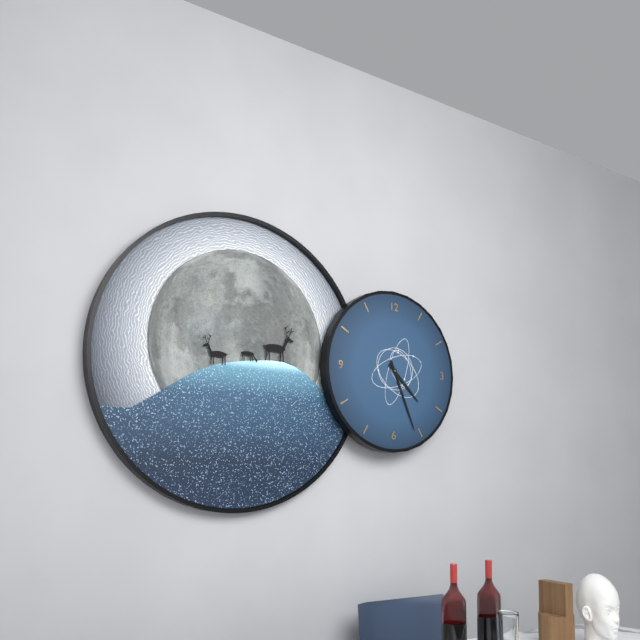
**4:26**
